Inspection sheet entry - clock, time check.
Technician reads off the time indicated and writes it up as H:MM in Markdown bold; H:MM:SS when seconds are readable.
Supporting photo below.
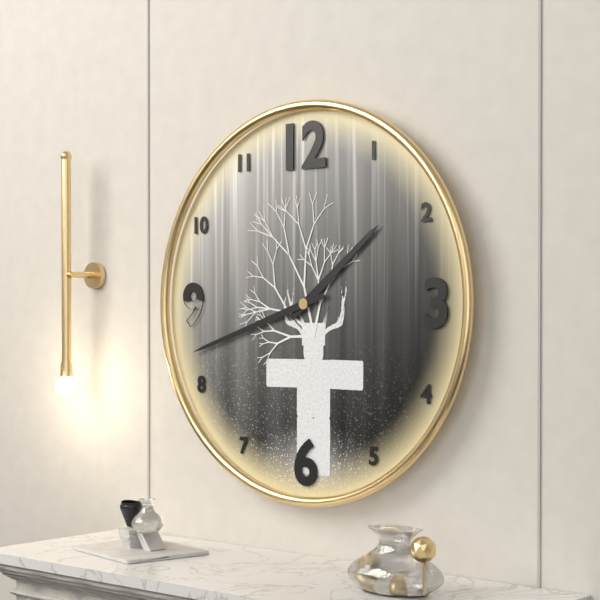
**1:42**
